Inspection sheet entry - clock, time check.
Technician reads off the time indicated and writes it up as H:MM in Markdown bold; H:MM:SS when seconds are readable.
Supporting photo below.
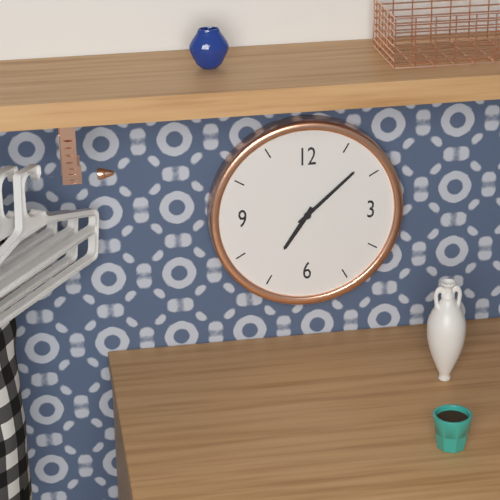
**7:08**
